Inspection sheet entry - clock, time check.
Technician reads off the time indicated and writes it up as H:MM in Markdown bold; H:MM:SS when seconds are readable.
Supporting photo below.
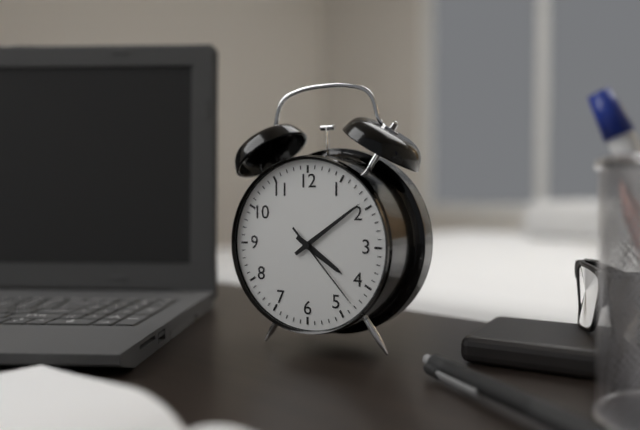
**4:09:23**
